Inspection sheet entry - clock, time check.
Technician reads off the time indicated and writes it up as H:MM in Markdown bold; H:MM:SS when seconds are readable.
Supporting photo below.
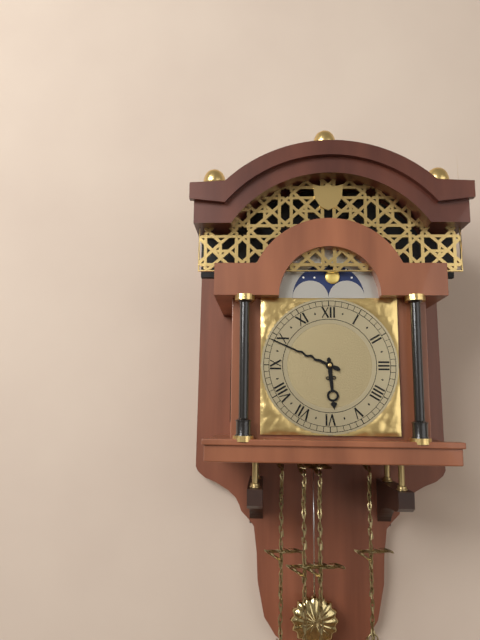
**5:49**
